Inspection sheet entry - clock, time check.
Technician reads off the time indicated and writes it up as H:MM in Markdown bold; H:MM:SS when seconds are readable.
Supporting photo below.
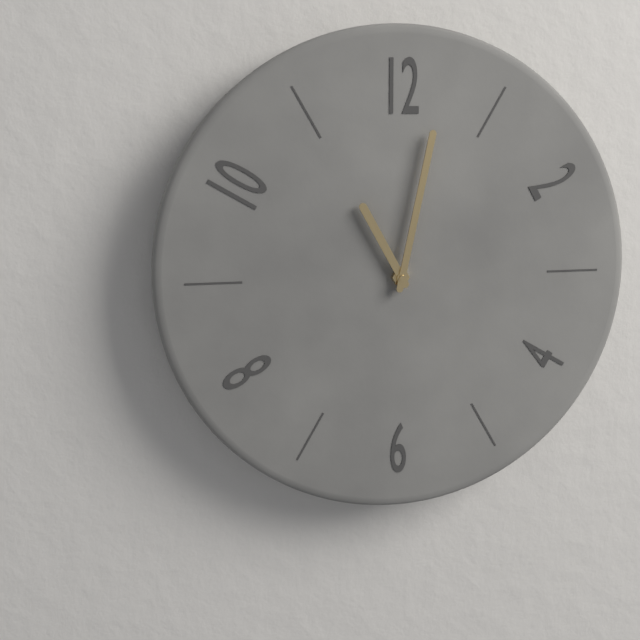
**11:02**
